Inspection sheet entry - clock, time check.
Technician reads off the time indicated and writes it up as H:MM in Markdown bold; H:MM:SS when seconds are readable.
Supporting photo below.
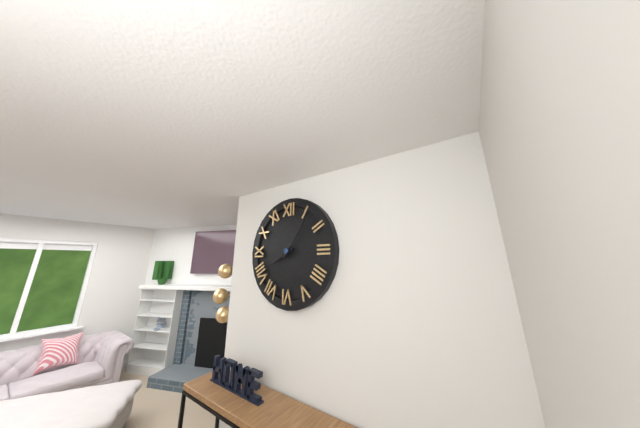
**8:06**
